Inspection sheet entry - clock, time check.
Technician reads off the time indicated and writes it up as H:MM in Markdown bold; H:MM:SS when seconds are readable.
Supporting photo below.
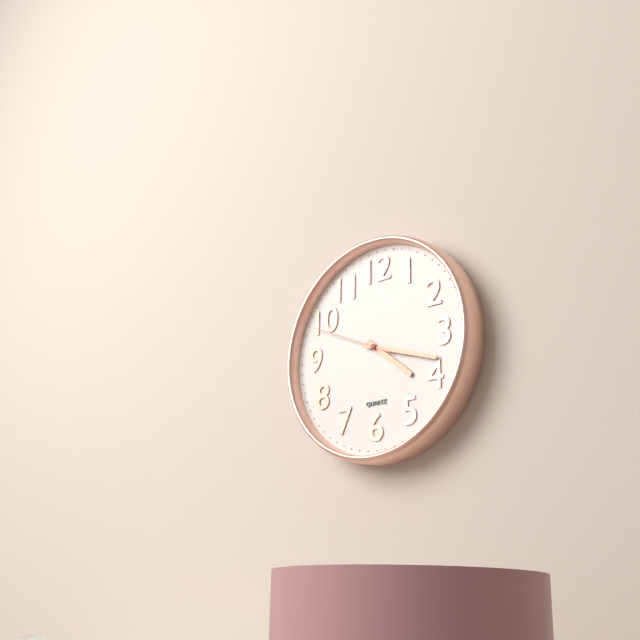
**4:18:49**
